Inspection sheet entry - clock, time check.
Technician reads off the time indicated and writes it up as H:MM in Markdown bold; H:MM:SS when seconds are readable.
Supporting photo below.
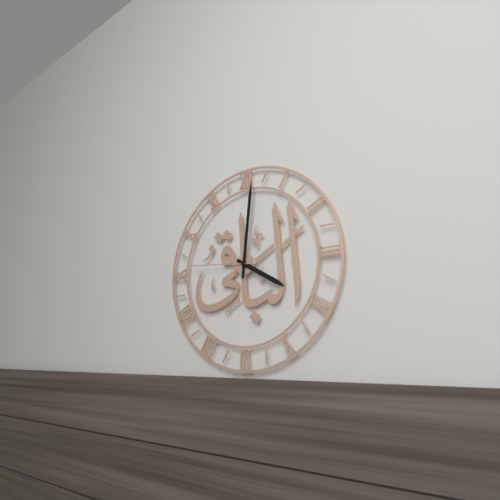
**4:01:46**
